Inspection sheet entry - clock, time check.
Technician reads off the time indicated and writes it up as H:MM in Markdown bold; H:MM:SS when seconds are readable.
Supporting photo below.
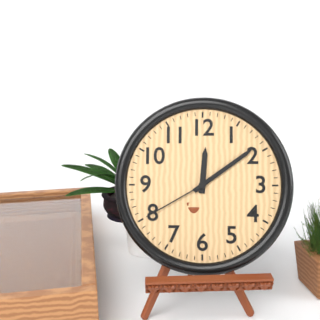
**12:09:40**
